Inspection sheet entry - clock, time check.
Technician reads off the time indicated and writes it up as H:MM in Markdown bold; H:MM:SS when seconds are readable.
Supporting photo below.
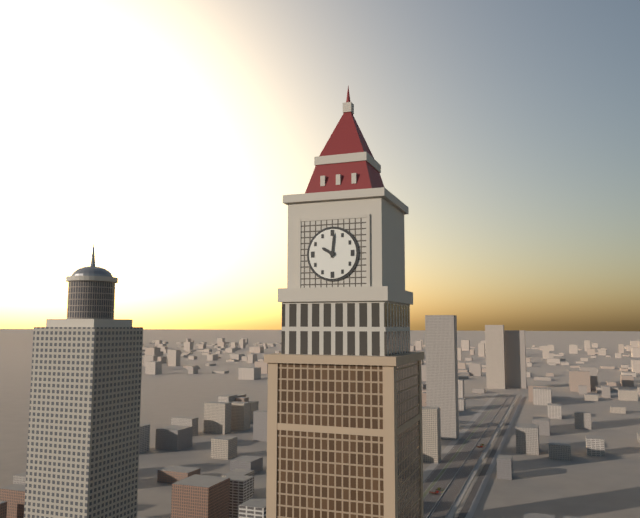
**10:01**
